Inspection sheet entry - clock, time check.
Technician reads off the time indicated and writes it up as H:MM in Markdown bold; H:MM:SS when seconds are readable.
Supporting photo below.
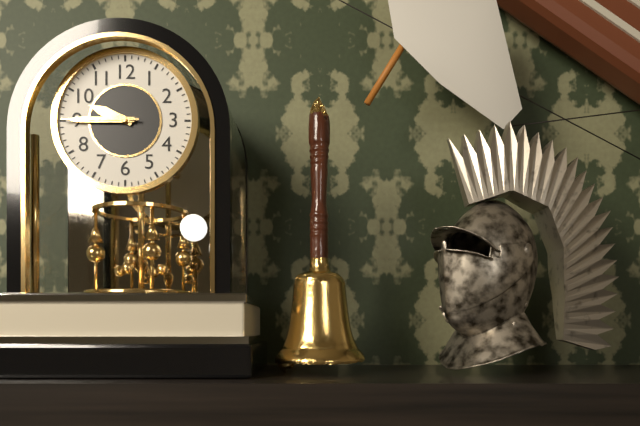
**9:45:45**
